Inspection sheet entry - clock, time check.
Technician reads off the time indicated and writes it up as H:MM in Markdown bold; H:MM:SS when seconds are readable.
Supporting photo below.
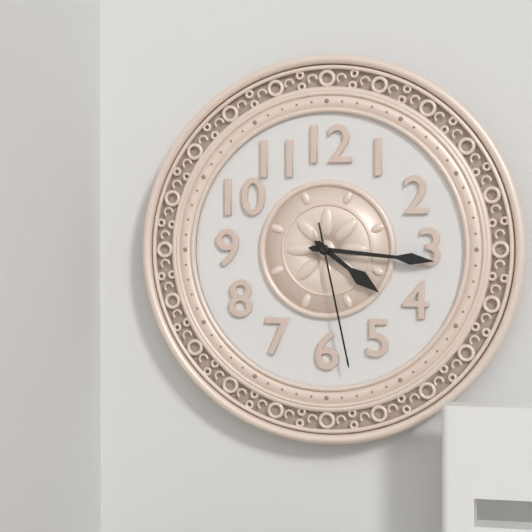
**4:16:28**
